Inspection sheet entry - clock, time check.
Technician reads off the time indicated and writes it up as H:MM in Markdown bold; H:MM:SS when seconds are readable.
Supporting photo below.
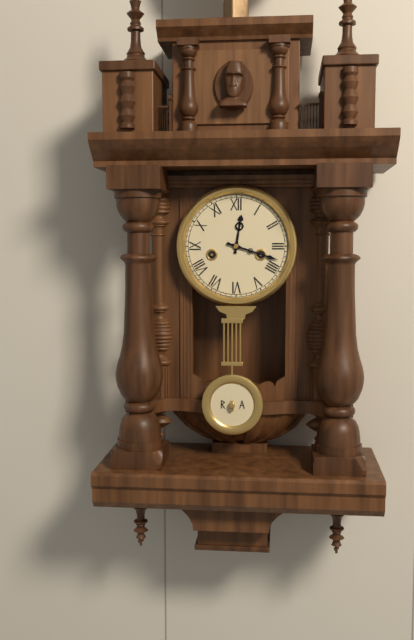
**12:18**
